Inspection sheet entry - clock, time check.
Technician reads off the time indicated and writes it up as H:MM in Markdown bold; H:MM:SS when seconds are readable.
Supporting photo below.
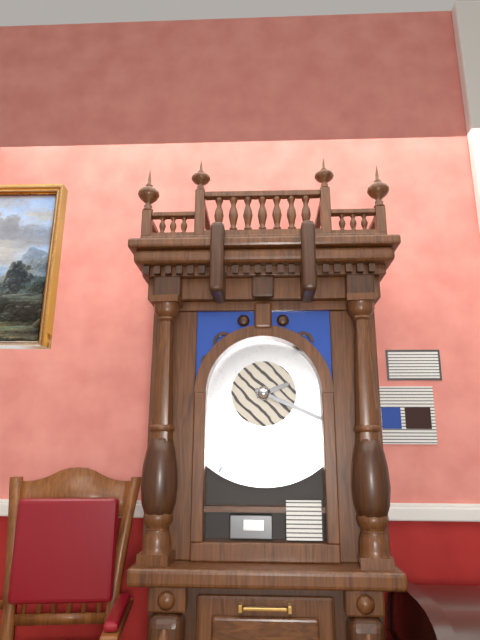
**2:19**
